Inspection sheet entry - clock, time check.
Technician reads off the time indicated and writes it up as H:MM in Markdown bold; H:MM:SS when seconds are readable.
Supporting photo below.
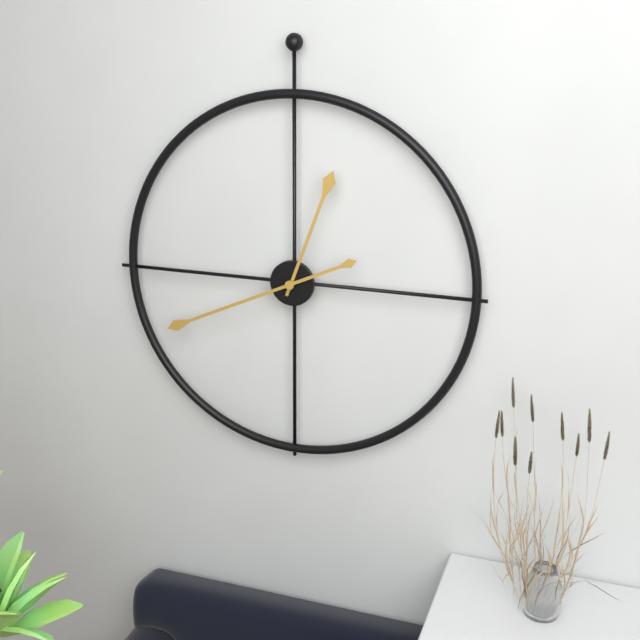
**12:41**
